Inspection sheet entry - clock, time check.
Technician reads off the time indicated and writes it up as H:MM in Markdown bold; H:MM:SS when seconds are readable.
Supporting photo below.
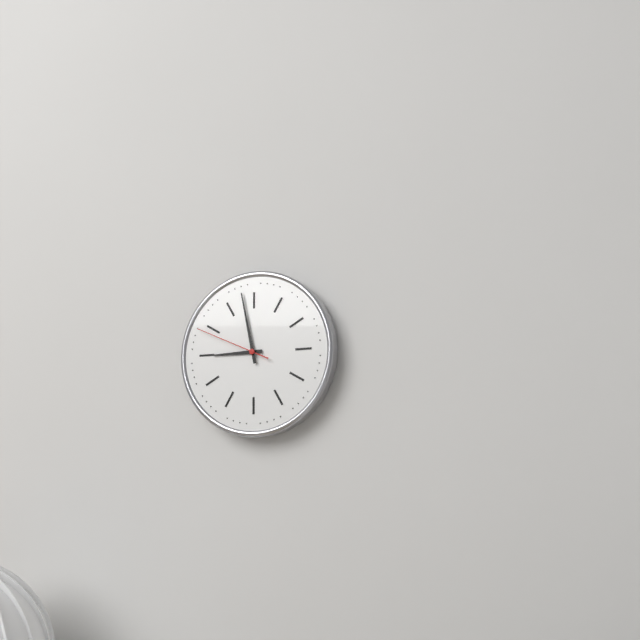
**8:58:49**
